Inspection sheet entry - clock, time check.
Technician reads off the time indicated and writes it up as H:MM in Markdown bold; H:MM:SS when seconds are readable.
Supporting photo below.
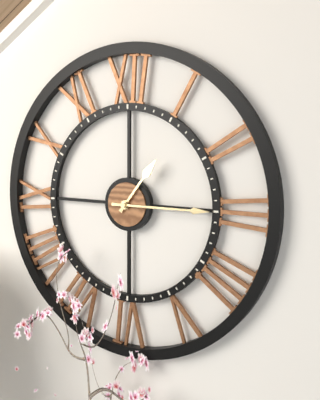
**1:15**
